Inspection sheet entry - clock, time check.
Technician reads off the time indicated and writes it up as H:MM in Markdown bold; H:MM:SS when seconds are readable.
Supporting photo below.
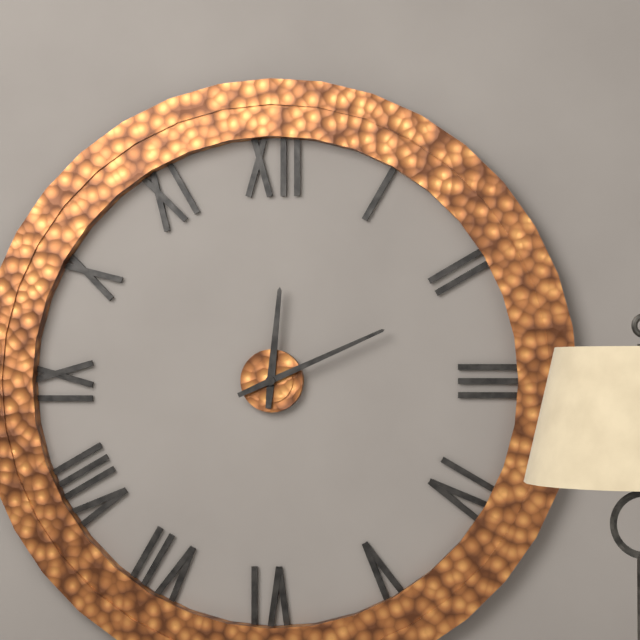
**12:11**
